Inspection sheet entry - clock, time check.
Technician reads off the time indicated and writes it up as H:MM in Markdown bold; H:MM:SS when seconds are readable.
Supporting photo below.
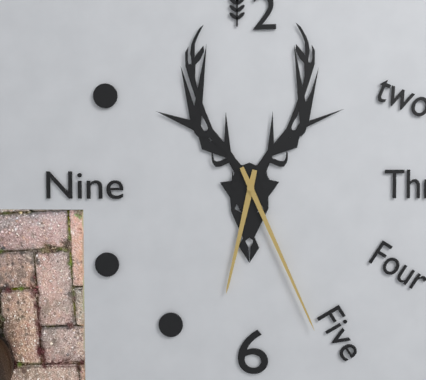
**6:26**
